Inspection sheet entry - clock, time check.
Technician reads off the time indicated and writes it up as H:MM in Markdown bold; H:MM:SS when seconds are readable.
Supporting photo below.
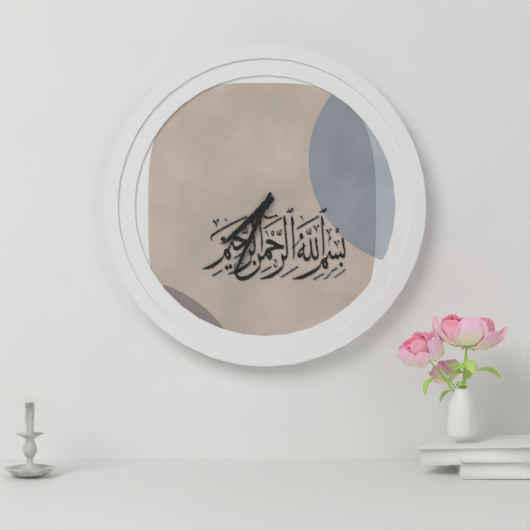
**7:34**
